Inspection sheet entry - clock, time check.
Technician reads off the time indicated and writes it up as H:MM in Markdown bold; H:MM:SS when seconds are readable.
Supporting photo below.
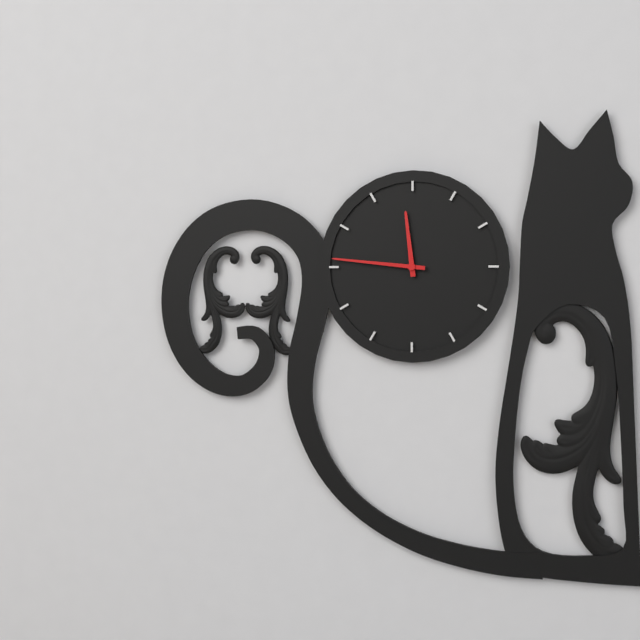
**11:46**
